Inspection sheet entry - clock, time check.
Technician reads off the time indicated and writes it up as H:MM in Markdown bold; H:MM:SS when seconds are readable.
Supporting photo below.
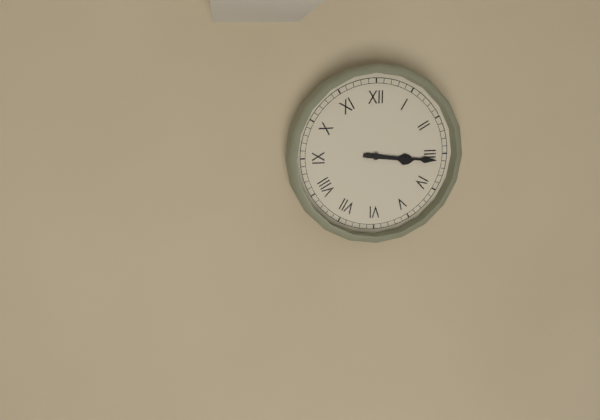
**3:16**
